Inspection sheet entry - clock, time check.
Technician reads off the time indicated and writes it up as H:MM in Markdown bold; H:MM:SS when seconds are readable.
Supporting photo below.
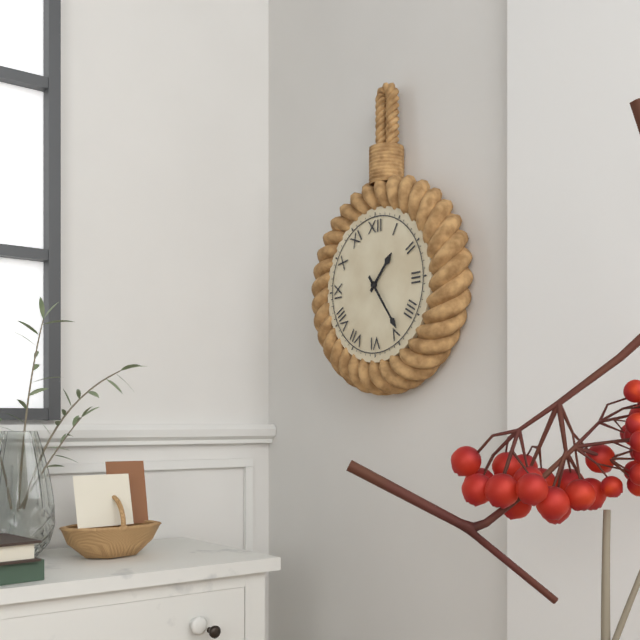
**1:24**
